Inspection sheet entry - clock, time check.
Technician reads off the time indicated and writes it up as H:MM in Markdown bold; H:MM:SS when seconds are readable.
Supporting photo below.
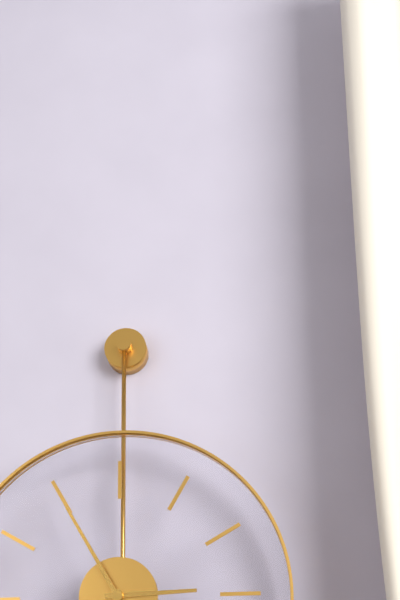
**2:55**
